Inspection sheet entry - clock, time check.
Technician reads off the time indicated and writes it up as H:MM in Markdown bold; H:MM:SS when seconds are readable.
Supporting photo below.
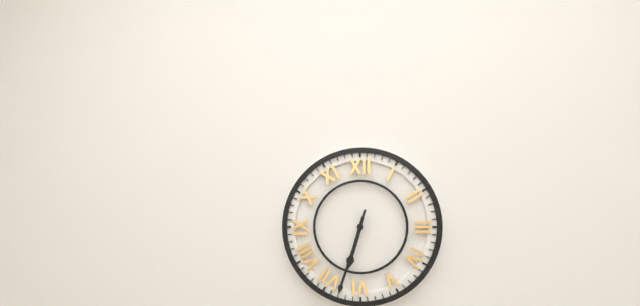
**6:33**
